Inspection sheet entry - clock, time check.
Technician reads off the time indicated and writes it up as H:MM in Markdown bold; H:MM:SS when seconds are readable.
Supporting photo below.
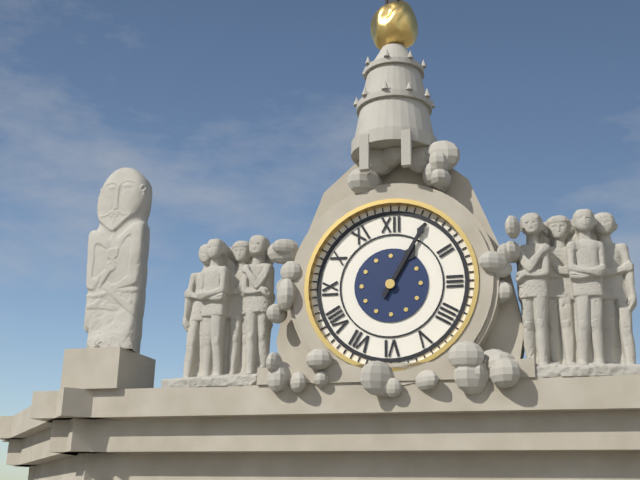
**1:05**
